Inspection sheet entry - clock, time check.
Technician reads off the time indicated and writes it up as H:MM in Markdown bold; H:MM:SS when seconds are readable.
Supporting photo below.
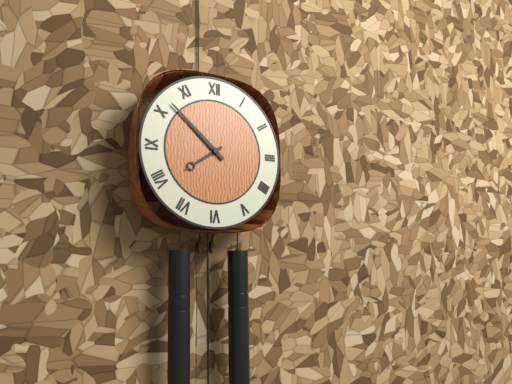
**7:52**
